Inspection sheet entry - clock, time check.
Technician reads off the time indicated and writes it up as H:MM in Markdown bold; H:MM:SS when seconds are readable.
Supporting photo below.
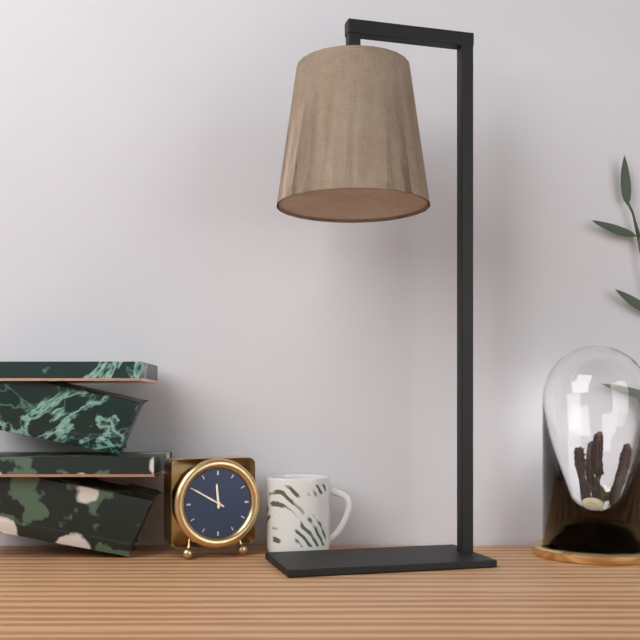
**11:50**
